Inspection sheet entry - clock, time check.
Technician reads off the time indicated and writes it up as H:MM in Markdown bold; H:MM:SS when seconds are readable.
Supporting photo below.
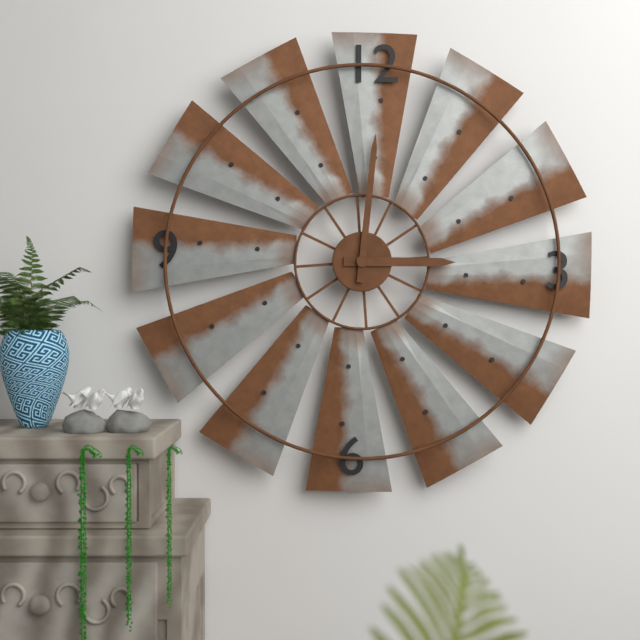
**3:01**
